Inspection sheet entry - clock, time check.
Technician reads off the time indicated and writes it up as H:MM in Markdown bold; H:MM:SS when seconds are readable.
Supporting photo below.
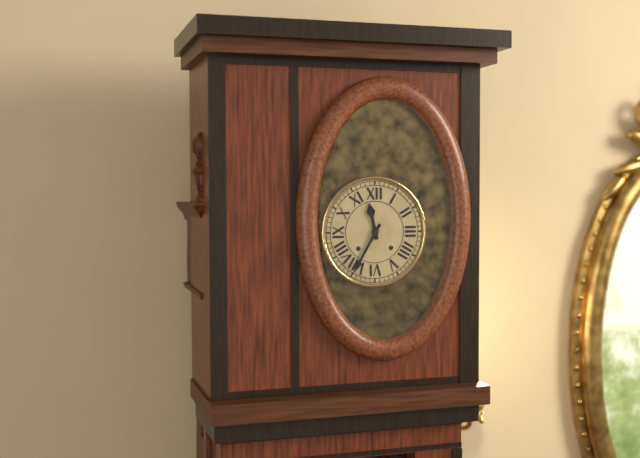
**11:35**
